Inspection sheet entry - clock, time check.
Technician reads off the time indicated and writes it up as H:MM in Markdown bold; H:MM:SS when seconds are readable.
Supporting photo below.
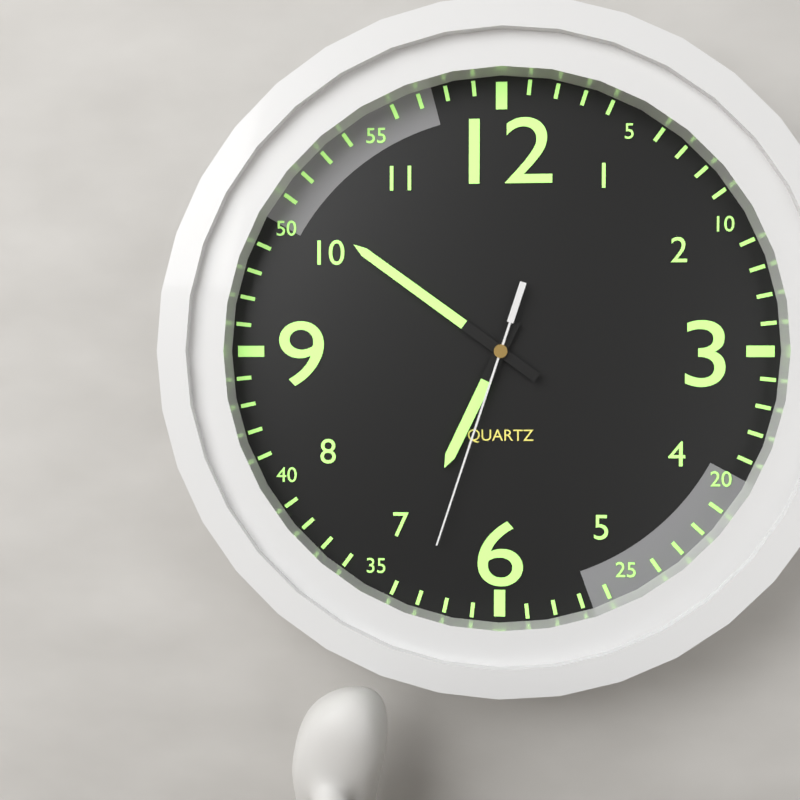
**6:51:33**
